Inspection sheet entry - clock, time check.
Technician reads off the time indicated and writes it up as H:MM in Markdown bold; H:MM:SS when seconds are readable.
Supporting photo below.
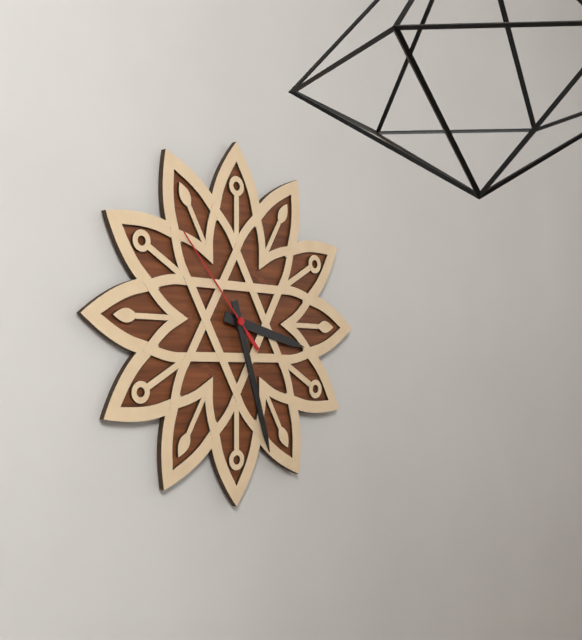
**3:27:53**
